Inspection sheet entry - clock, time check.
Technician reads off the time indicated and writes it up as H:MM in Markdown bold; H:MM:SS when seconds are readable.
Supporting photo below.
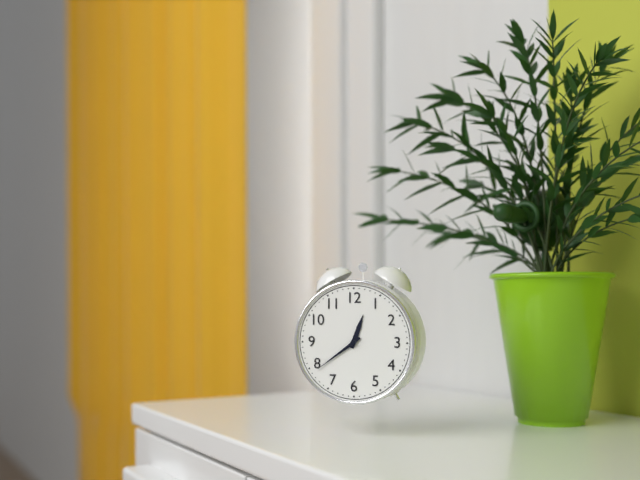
**12:39**
